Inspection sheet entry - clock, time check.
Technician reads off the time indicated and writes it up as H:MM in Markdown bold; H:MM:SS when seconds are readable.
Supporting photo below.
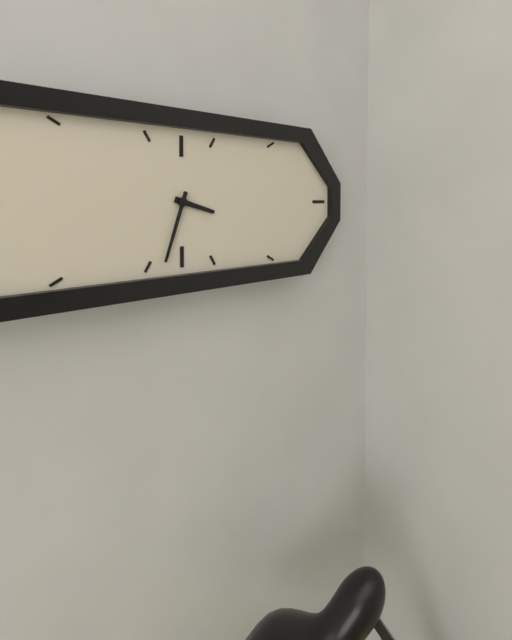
**3:33**
